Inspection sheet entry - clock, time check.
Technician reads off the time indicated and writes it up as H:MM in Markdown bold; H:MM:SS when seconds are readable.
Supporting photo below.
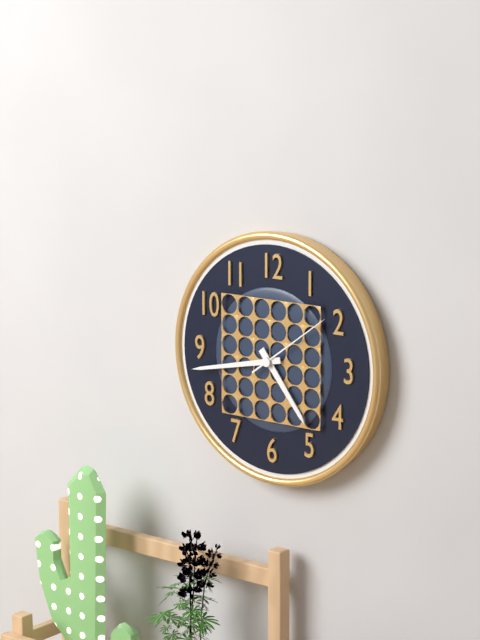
**4:43:09**
